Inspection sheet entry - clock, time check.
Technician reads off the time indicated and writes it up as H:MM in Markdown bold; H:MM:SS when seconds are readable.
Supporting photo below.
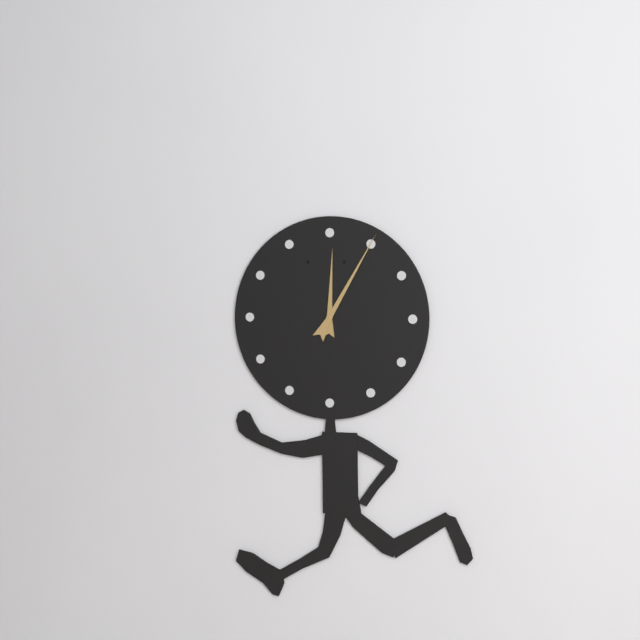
**12:05**
